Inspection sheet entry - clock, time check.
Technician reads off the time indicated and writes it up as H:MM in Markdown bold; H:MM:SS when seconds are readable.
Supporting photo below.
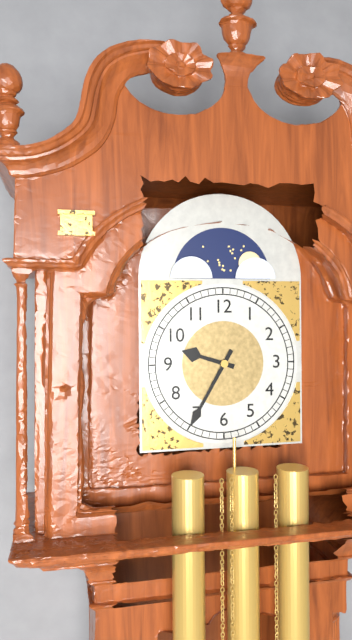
**9:35**
